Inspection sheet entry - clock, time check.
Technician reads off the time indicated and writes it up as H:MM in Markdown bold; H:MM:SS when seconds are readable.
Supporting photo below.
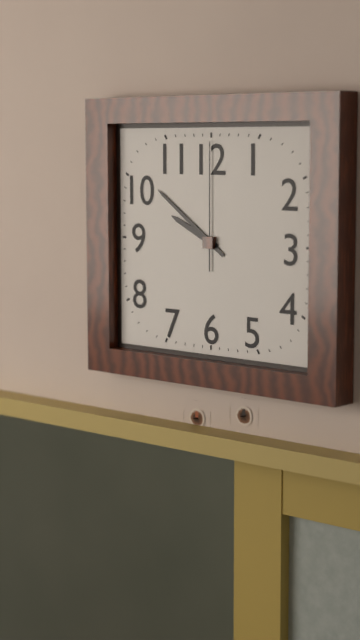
**9:51:00**
